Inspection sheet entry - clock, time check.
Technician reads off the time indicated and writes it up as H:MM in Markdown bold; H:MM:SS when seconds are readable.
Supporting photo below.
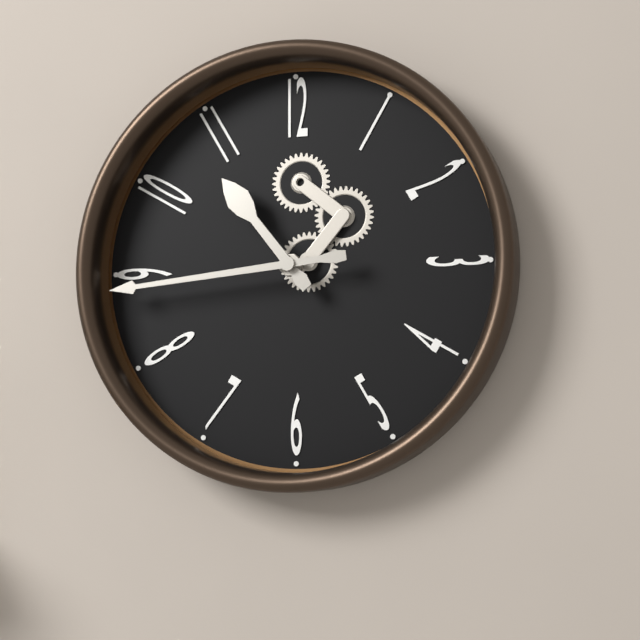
**10:44**
